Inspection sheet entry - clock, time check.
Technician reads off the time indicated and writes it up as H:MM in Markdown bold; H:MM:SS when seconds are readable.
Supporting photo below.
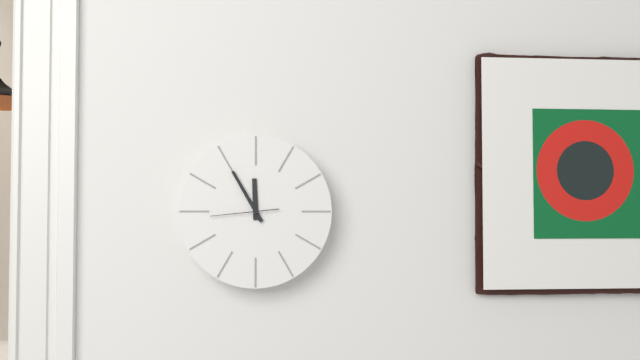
**11:55:44**
